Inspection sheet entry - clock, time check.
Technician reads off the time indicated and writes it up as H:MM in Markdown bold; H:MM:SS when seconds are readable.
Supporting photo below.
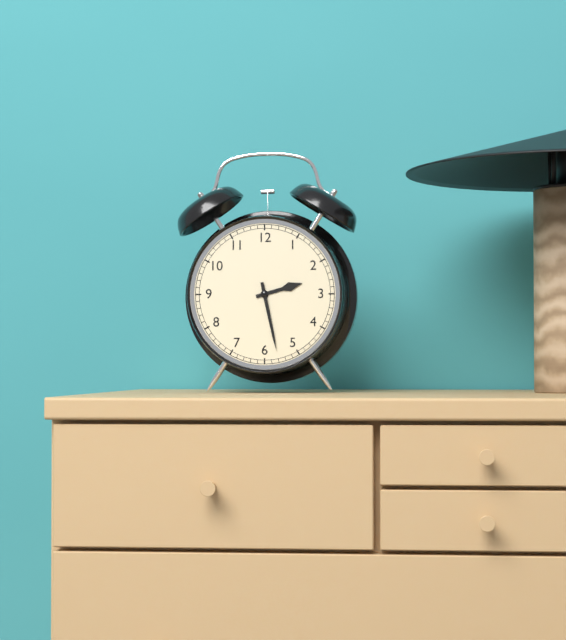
**2:28**
